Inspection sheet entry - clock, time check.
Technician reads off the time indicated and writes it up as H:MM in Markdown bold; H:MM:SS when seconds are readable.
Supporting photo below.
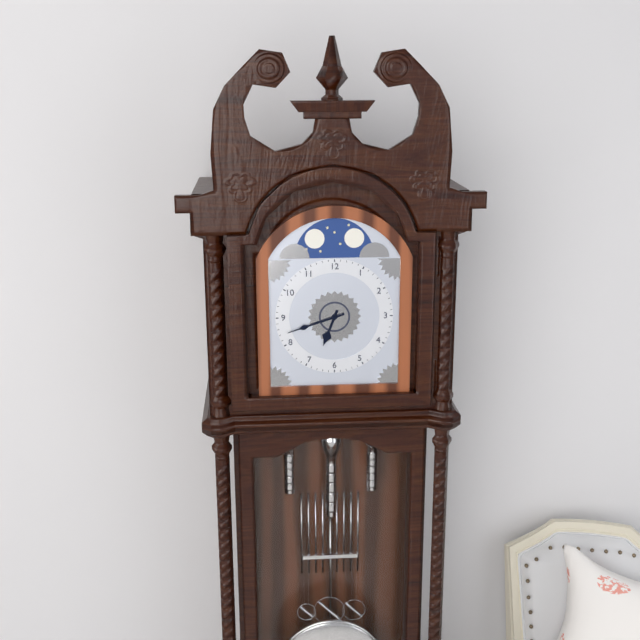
**6:42**
